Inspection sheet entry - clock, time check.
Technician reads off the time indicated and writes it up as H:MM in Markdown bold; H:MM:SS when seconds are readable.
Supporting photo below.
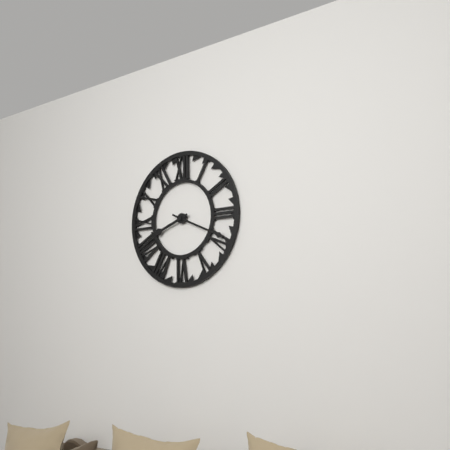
**8:19**
